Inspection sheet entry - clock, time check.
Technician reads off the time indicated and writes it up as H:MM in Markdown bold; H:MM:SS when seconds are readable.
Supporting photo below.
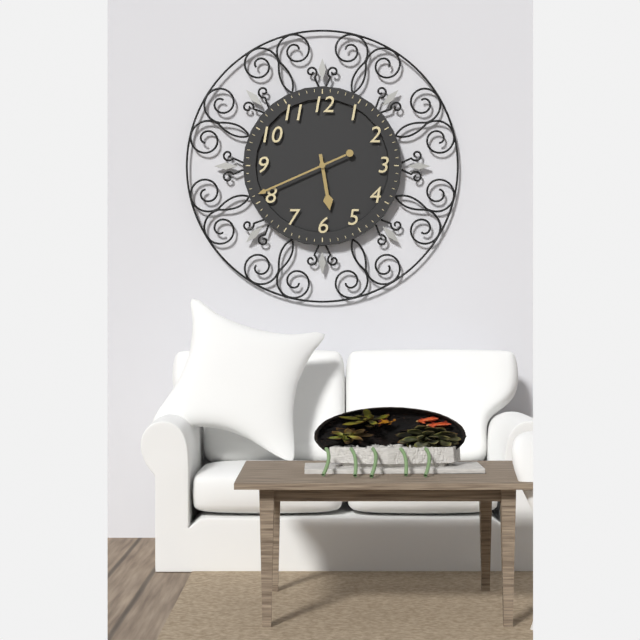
**5:41**
